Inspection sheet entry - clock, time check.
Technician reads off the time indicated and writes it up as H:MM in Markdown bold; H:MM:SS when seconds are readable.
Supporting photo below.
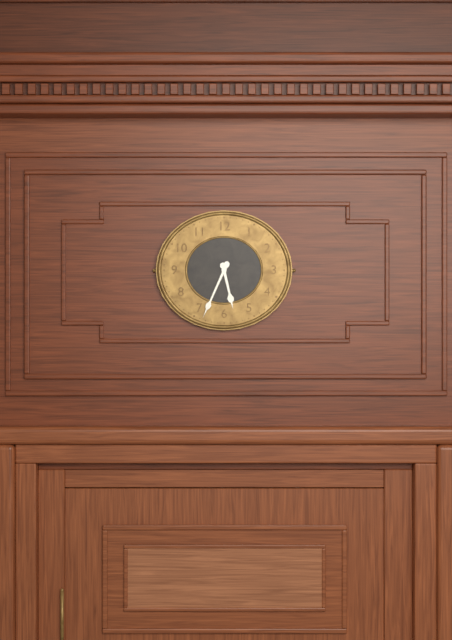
**5:34**
